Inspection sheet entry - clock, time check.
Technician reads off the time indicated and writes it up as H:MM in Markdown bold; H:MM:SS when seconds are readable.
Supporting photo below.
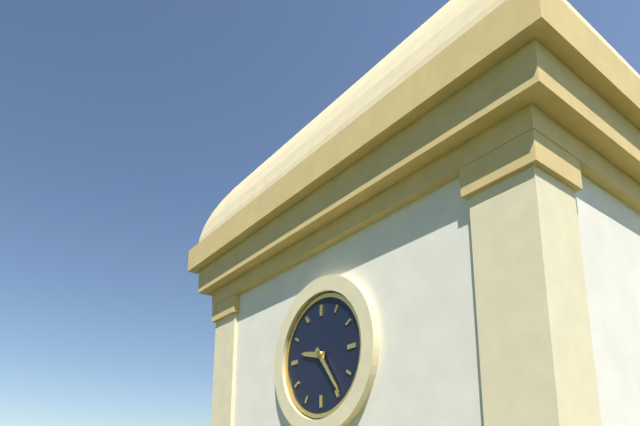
**9:24**
